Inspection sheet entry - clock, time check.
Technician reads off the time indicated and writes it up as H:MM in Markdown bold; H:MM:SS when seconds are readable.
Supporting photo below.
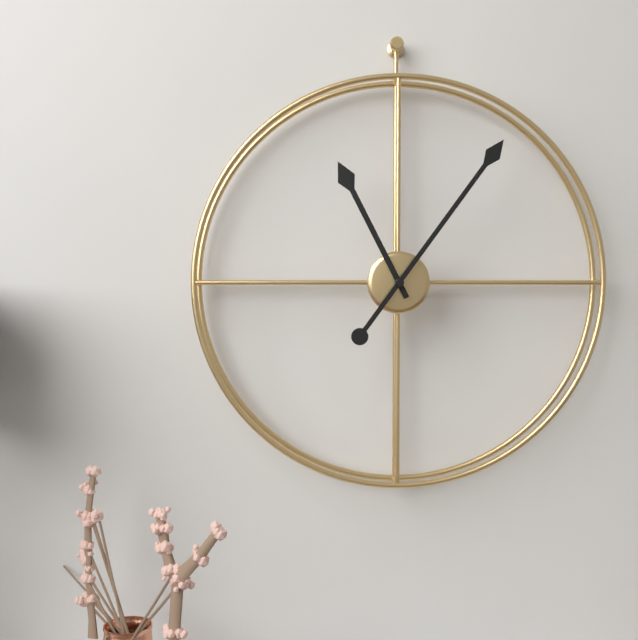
**11:06**
